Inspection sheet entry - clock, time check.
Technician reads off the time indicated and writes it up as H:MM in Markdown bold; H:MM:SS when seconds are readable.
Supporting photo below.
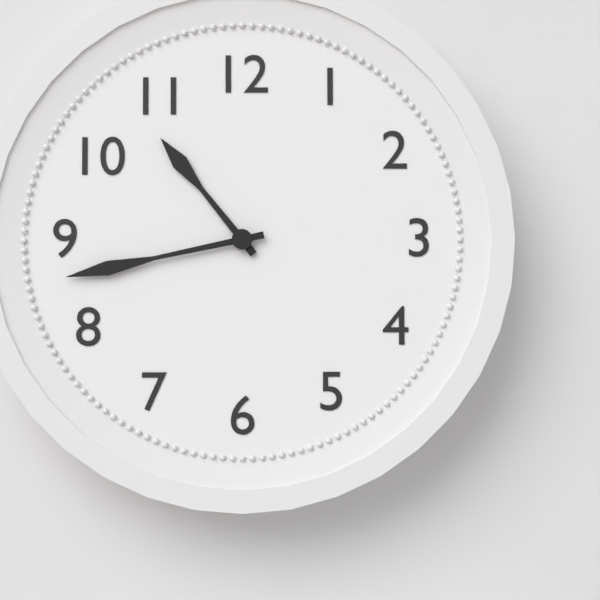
**10:43**
